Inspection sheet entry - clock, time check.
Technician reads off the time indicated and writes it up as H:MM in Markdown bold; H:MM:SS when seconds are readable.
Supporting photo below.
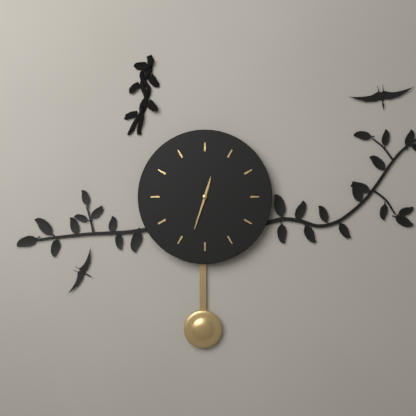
**12:33**
